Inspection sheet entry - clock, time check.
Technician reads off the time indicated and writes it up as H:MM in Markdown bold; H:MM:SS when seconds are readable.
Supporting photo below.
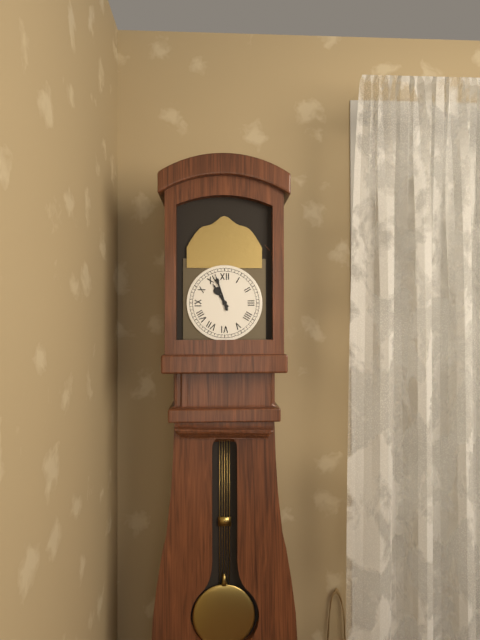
**10:57**
